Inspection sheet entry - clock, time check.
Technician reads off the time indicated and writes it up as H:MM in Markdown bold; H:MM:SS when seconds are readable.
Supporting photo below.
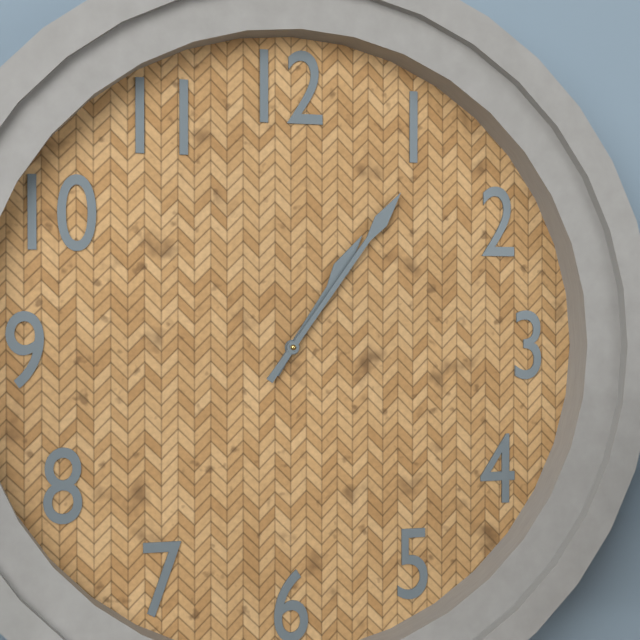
**1:06**
